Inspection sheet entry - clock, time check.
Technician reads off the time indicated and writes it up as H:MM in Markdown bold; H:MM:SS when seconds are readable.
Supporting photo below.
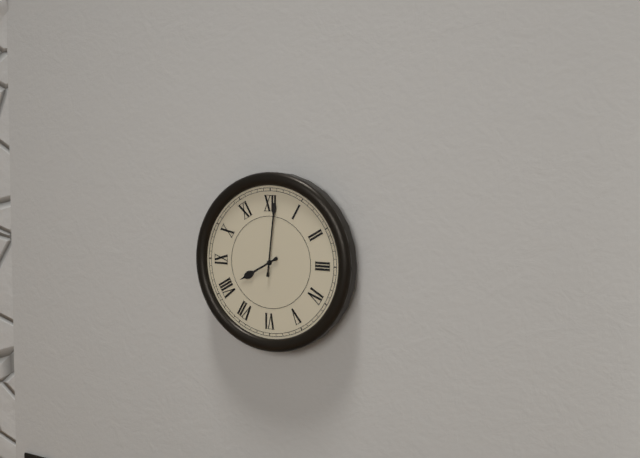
**8:01**
